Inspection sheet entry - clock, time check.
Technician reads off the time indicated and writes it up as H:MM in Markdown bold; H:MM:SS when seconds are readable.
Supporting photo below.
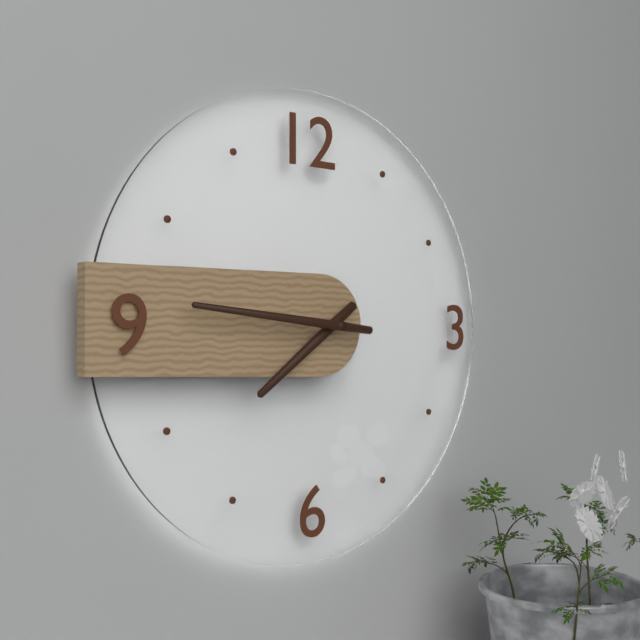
**7:46**
